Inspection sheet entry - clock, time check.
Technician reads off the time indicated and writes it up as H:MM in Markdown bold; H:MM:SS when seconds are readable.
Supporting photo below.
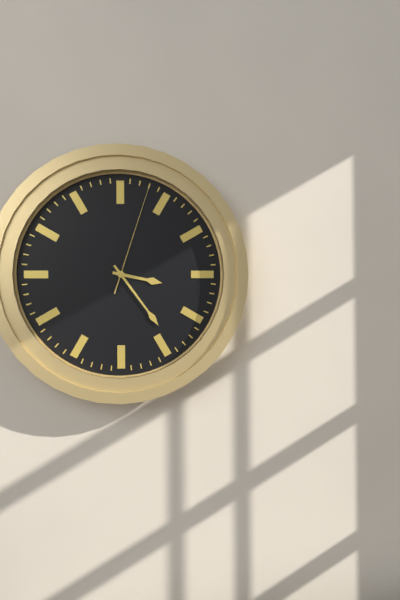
**3:24:03**
